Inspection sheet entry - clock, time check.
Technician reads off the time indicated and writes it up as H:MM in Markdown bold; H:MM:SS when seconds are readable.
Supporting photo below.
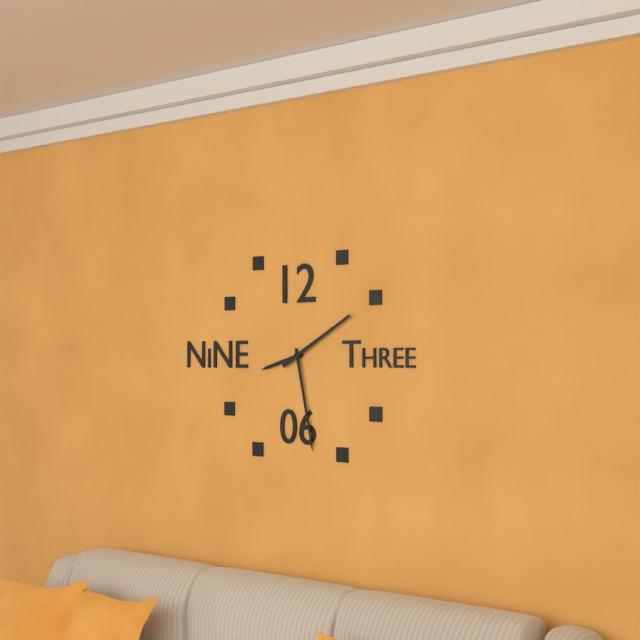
**8:28:10**
